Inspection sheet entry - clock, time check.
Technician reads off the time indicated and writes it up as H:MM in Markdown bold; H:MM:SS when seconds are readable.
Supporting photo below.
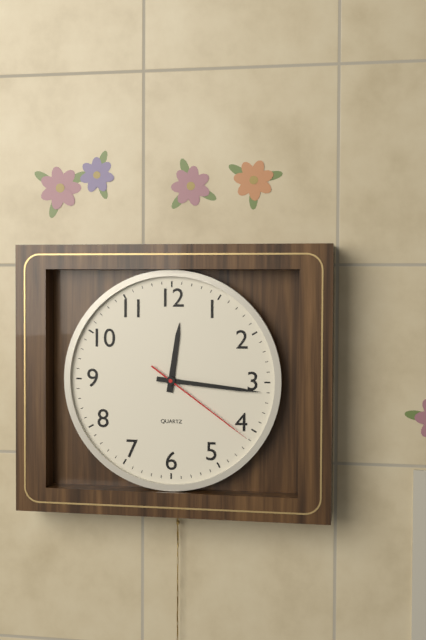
**12:16:21**
